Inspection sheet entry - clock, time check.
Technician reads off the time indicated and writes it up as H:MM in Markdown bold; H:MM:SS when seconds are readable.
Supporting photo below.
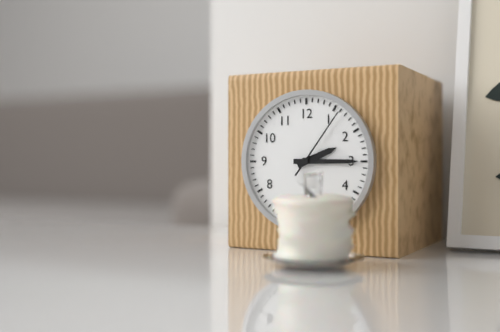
**2:15:06**
